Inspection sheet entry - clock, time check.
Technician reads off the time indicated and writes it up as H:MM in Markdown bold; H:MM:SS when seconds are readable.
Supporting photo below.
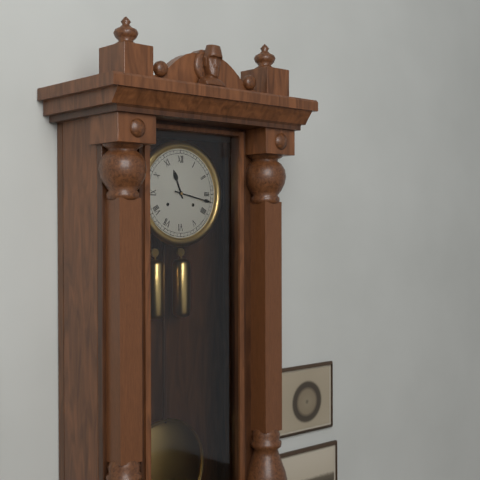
**11:17**
